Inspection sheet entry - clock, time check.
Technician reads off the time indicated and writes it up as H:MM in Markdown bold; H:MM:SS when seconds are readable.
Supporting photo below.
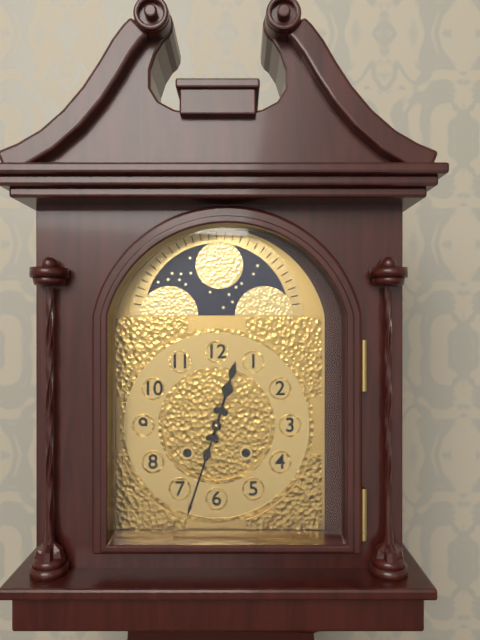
**12:33**
